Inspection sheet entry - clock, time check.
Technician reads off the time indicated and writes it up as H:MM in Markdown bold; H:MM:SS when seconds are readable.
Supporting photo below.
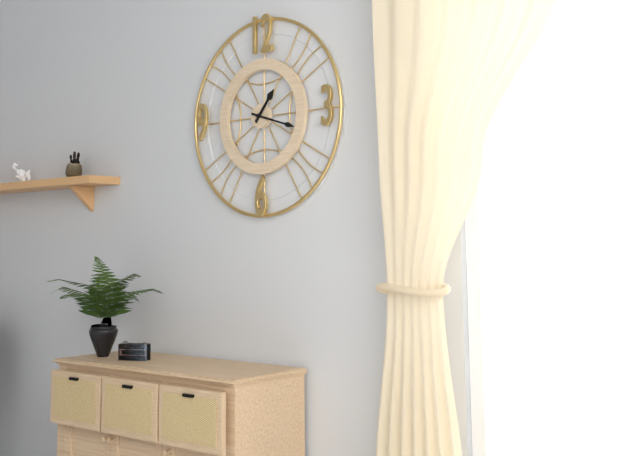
**1:18**
